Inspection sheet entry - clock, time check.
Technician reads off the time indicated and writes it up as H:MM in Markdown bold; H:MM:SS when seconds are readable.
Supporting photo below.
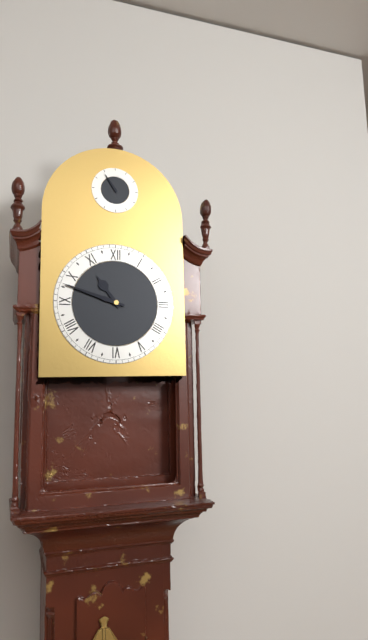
**10:48**
